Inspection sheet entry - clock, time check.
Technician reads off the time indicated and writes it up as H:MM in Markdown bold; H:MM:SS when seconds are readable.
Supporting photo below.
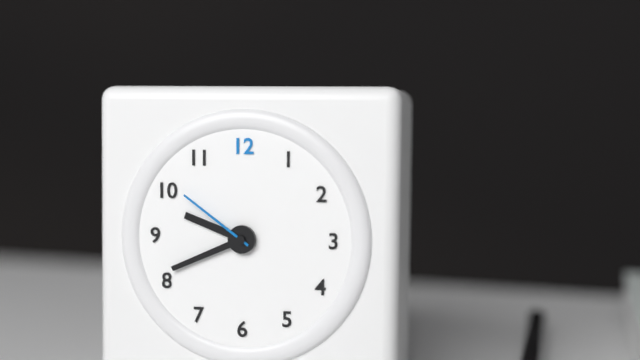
**9:41:51**
